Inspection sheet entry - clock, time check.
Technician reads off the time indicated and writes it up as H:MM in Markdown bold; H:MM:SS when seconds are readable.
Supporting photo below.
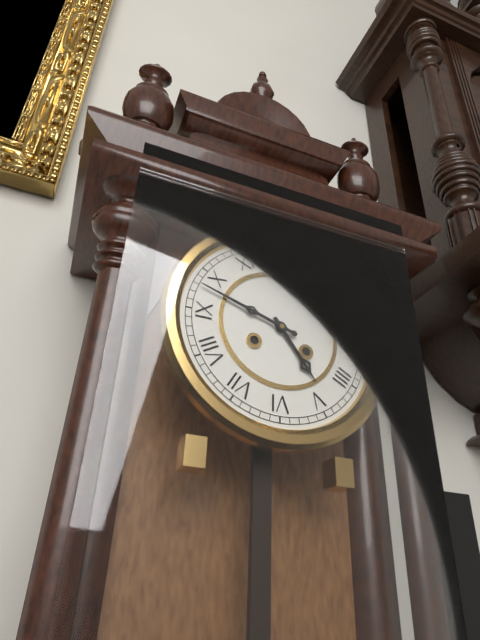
**4:48**
